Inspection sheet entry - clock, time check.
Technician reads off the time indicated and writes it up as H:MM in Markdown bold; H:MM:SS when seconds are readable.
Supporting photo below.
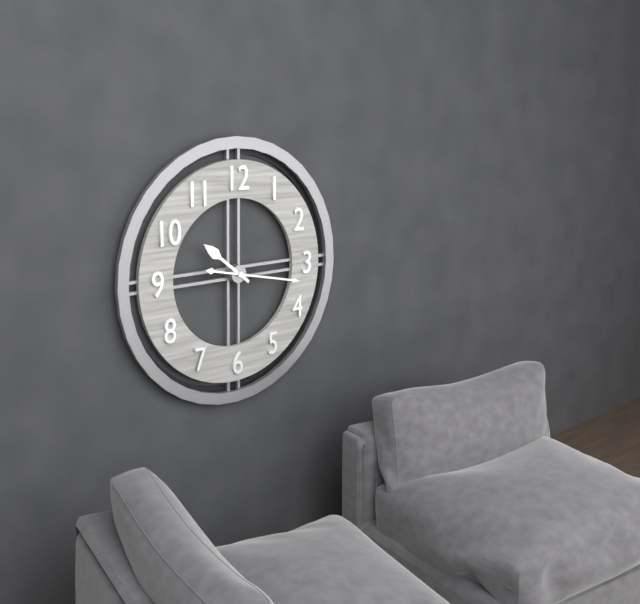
**10:17**
